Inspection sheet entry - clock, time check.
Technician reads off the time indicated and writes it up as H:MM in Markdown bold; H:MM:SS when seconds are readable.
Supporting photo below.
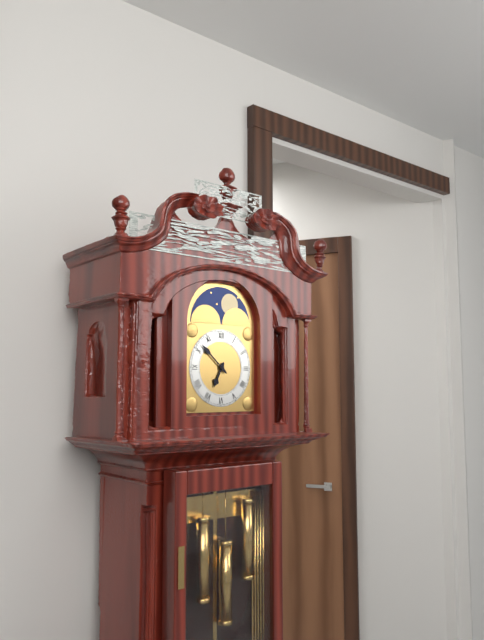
**6:52**
